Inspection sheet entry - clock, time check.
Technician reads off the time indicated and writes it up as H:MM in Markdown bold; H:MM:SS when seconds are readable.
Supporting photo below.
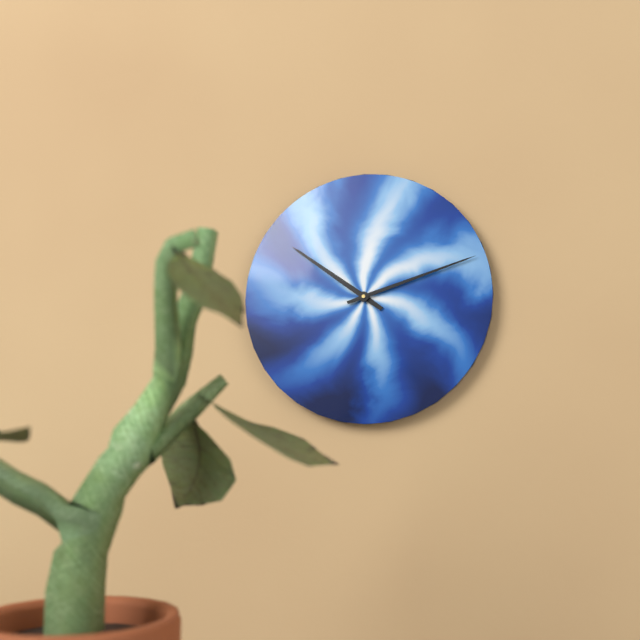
**10:12**
